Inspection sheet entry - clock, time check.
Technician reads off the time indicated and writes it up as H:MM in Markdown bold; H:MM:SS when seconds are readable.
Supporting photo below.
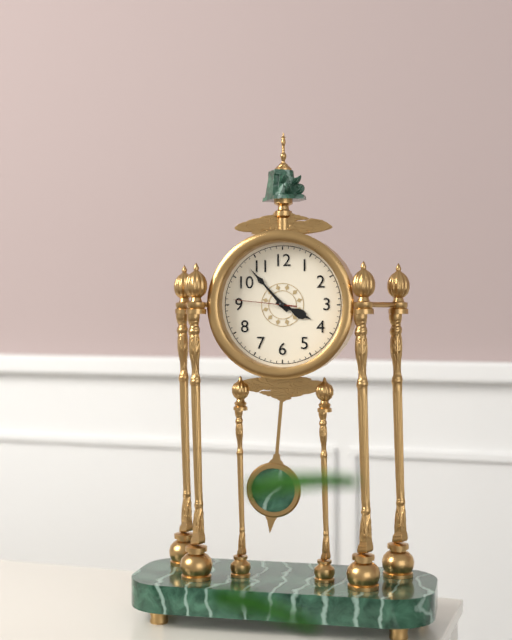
**3:53:46**
